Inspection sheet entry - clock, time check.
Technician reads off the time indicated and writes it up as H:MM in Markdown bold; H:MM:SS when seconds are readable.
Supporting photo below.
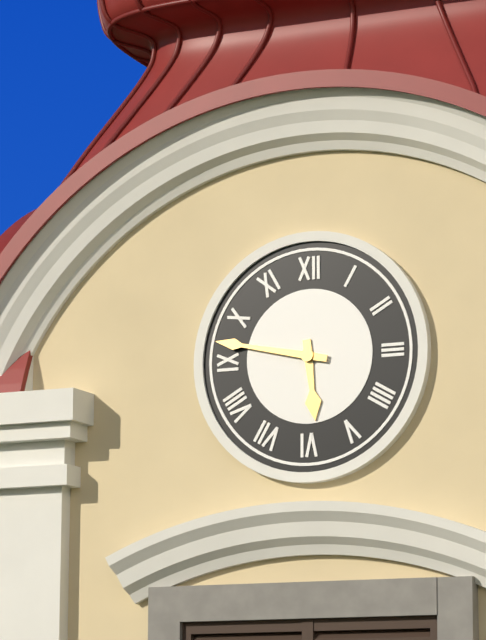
**5:47**
